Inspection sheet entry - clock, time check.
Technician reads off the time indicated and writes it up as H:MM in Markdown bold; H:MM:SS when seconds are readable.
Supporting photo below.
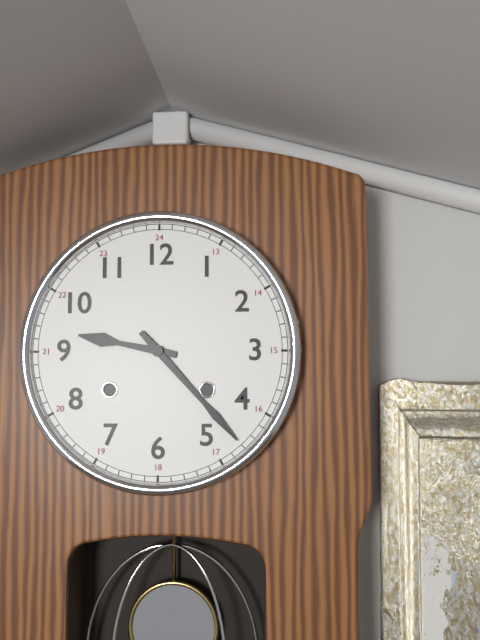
**9:23**
